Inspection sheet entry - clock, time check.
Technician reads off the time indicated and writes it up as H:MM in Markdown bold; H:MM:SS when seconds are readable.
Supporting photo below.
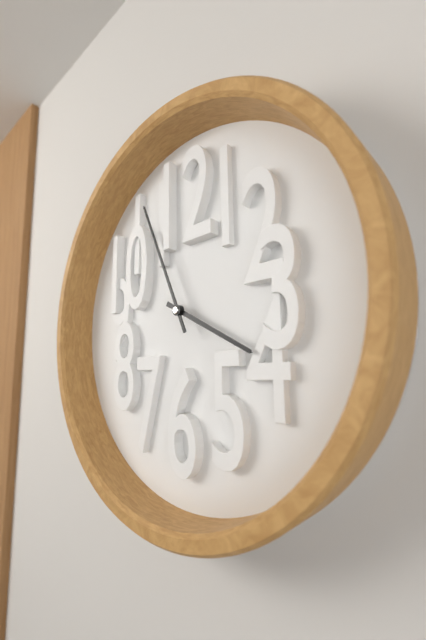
**3:56**
